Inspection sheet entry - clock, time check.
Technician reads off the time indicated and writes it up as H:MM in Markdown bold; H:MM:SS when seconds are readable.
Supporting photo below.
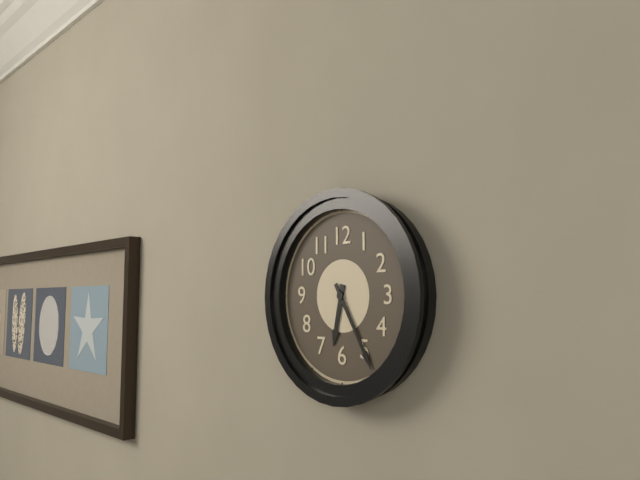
**6:25**
